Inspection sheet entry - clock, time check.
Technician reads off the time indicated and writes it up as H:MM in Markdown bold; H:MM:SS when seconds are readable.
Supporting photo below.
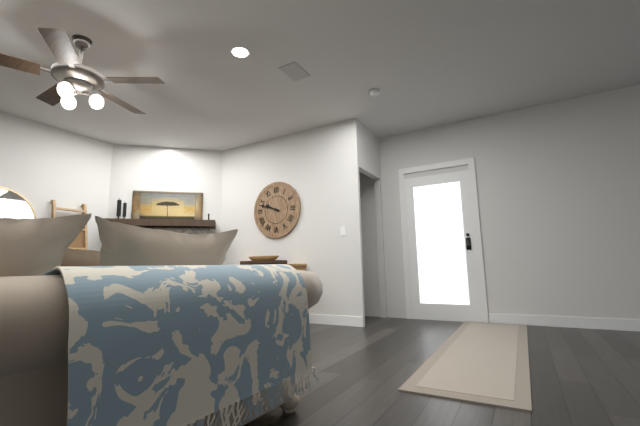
**9:48**
